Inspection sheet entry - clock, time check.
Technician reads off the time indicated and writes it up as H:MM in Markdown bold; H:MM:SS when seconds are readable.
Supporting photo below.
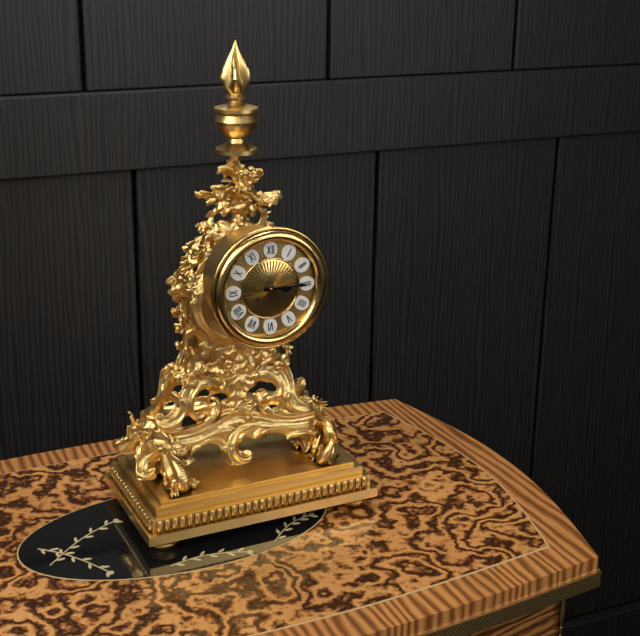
**3:15**
